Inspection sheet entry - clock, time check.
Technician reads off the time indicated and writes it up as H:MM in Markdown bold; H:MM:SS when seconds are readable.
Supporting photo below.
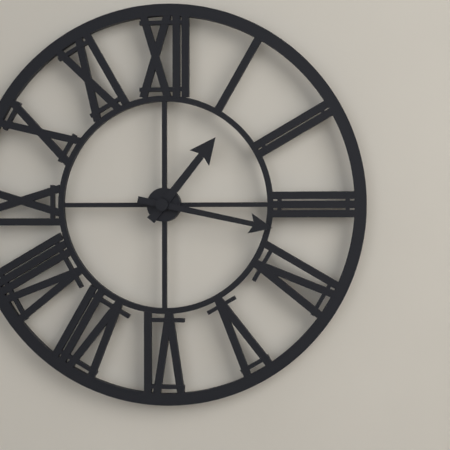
**1:17**
